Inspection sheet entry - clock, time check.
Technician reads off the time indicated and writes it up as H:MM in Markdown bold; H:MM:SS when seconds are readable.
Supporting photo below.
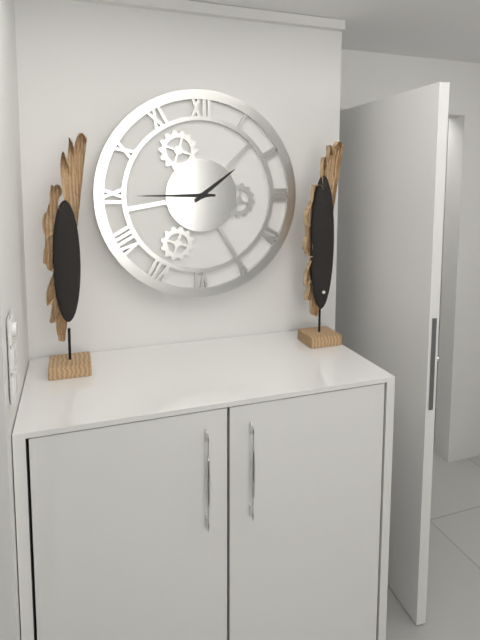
**1:45**
